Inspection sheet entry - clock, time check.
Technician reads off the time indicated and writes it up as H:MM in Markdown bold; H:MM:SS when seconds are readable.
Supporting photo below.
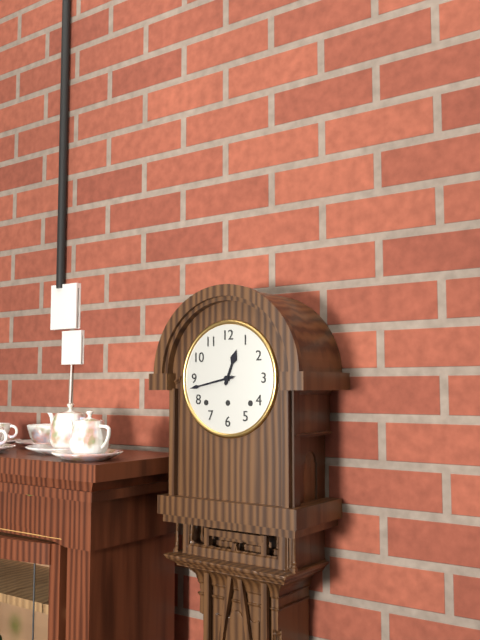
**12:43**
